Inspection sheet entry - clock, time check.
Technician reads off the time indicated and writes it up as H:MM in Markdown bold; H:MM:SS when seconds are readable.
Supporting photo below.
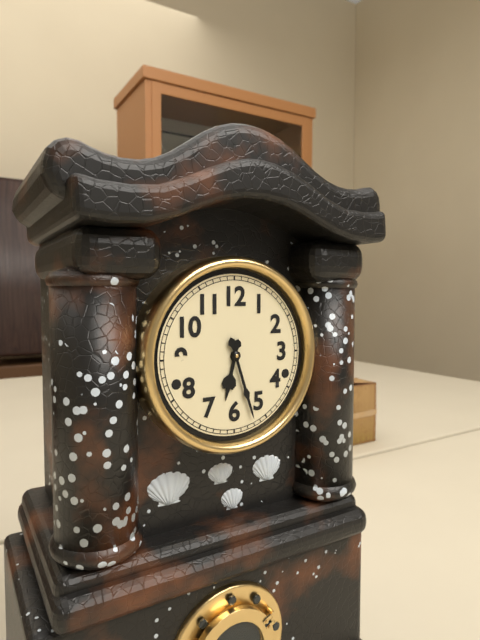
**6:27**
